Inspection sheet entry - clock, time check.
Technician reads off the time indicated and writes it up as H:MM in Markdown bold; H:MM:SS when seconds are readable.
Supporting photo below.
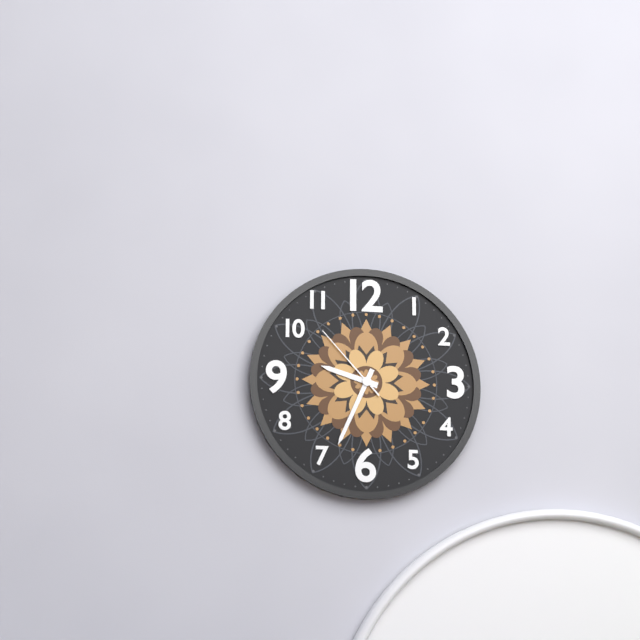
**9:34:53**
